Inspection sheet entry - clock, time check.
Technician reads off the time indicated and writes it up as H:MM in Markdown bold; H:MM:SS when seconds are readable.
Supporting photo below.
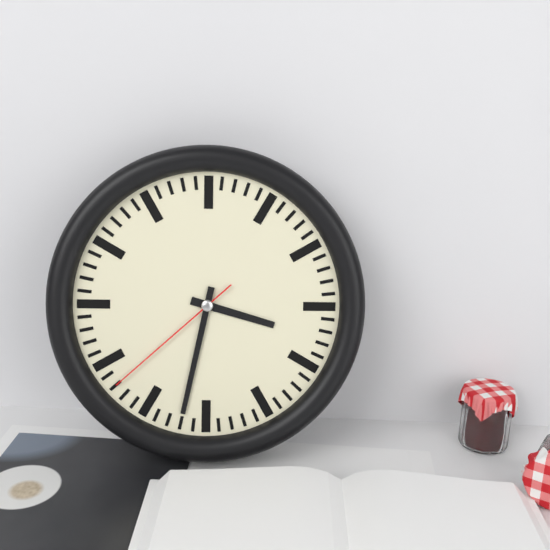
**3:32:38**
